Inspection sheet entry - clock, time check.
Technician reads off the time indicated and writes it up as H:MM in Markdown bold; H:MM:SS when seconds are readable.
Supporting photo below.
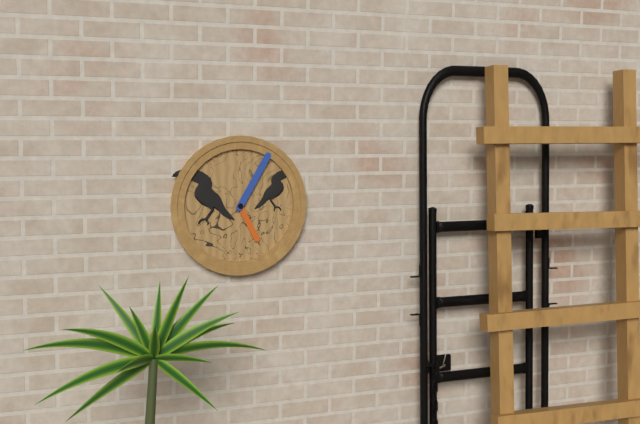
**5:05**
